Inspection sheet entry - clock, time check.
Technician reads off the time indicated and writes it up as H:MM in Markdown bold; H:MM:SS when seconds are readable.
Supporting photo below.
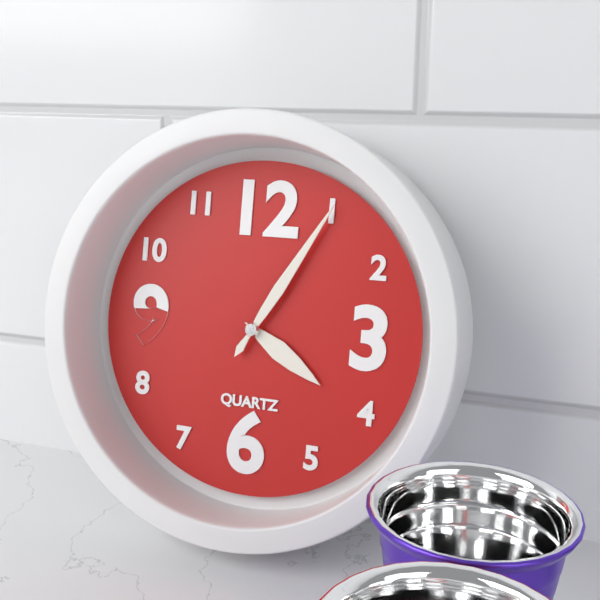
**4:05**
